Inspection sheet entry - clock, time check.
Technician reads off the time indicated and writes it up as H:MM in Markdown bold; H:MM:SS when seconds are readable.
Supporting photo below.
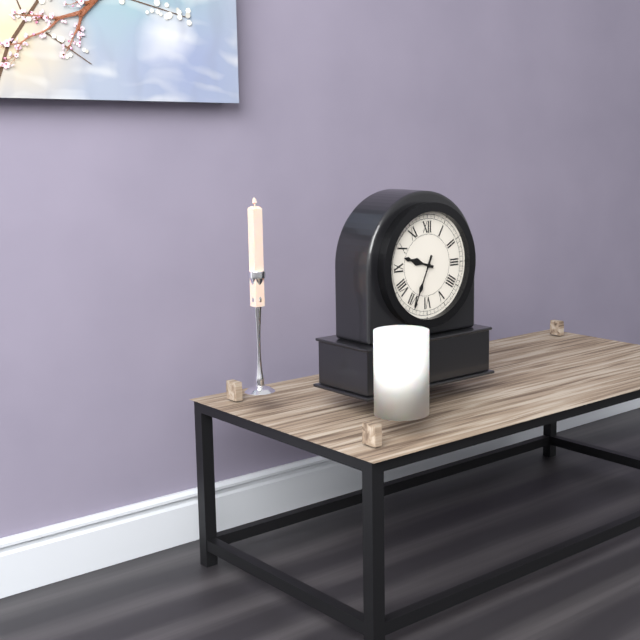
**9:34**
